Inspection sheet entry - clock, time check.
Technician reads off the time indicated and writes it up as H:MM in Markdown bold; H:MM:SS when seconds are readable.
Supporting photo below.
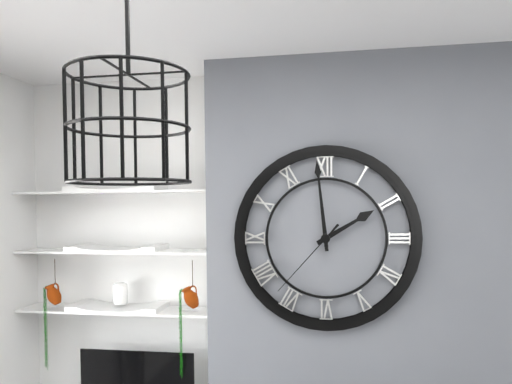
**1:59:37**
